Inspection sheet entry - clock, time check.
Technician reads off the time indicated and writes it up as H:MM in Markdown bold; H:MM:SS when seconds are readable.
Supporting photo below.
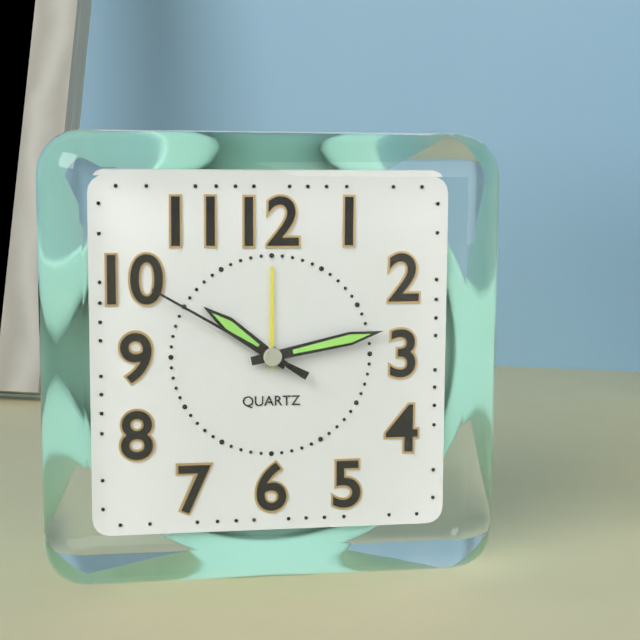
**10:13:50**
